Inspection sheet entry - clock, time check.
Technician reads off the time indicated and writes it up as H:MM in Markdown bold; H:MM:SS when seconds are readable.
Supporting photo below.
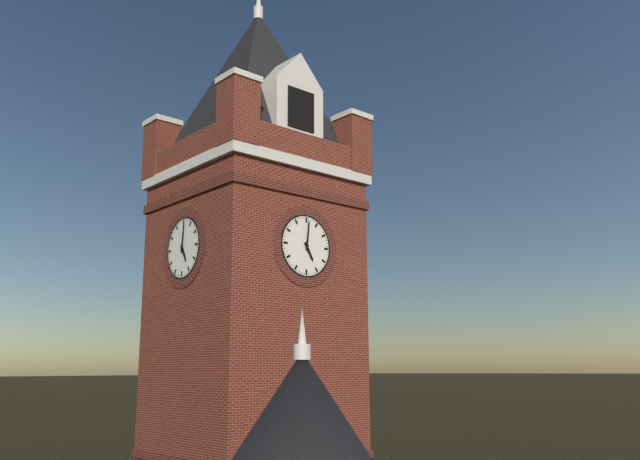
**5:01**
